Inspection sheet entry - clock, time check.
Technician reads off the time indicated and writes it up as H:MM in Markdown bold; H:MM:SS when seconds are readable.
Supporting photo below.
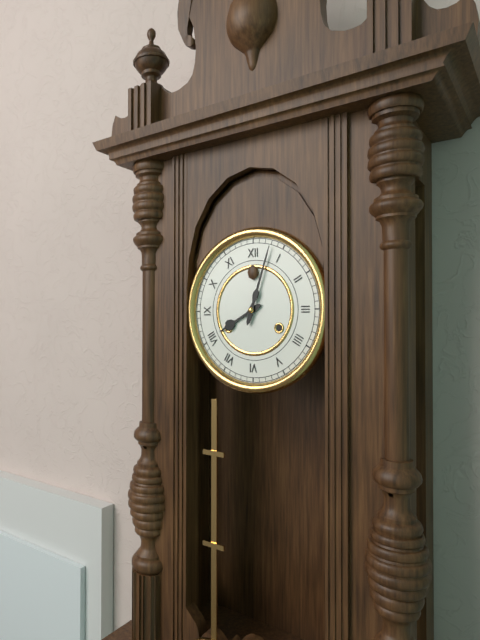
**8:03**
